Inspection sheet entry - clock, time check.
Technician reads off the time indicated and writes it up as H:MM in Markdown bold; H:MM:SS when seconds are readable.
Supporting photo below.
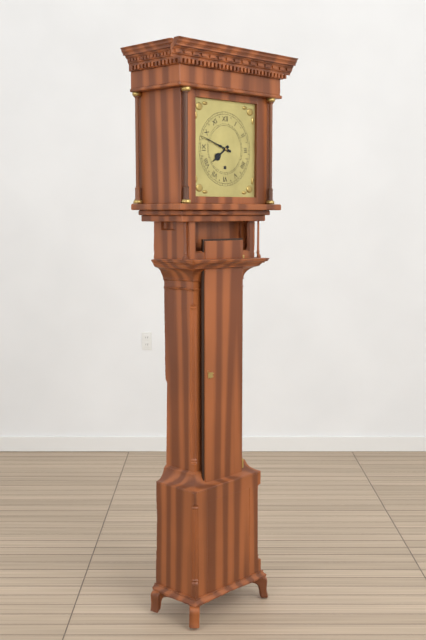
**7:48**
